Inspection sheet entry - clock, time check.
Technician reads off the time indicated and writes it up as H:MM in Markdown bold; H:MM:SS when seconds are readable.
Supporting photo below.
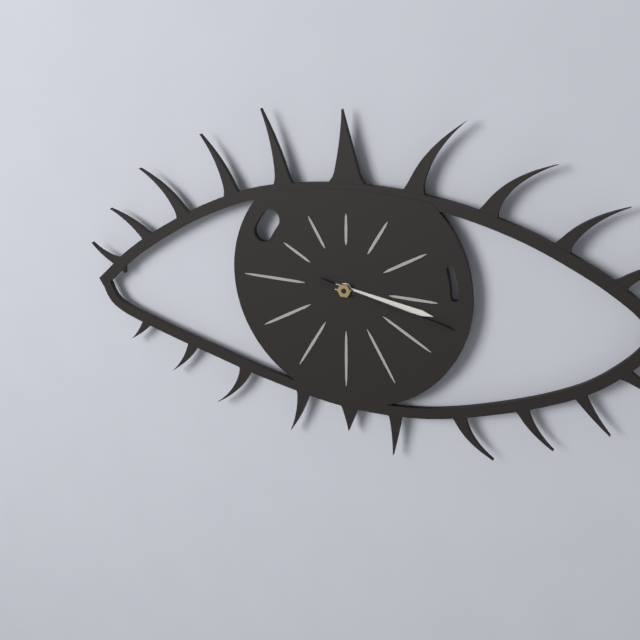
**3:17**
